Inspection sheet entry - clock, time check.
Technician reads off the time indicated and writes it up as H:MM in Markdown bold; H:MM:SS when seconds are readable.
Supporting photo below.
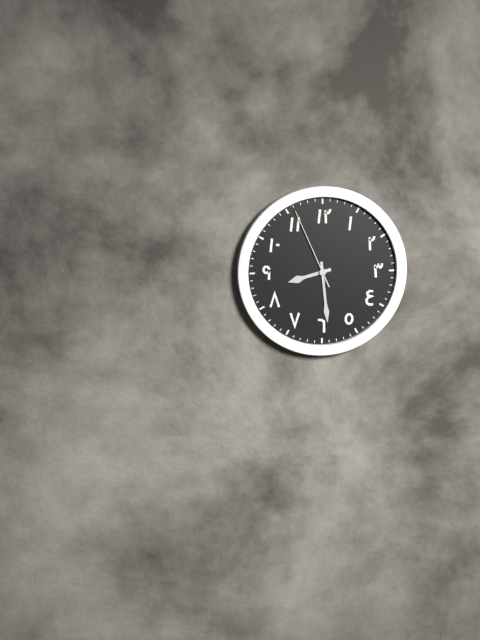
**8:29:56**
